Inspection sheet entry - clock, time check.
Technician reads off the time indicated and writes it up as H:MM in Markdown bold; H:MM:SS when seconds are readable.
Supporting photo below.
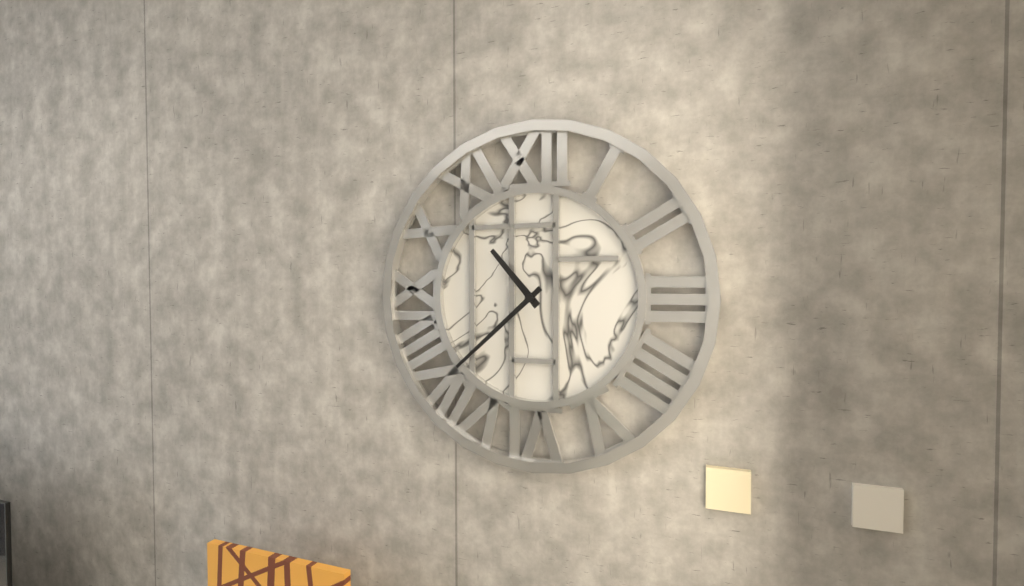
**10:38**
